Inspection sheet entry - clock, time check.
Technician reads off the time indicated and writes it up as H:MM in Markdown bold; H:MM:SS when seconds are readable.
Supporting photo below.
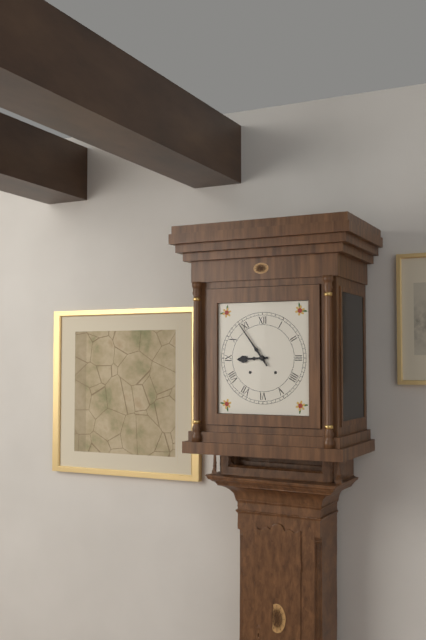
**8:54**
